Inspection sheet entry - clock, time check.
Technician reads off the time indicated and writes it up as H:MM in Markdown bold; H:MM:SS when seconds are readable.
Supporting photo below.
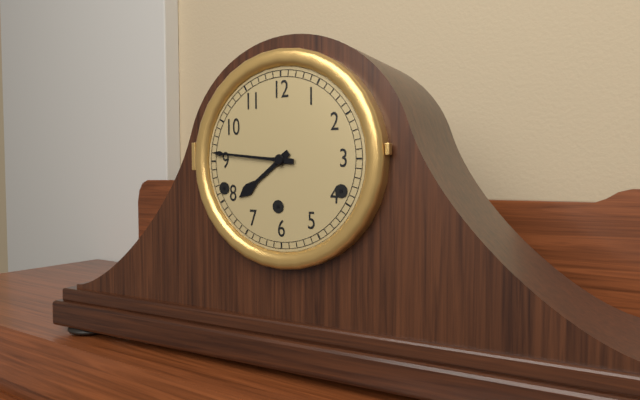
**7:46**
